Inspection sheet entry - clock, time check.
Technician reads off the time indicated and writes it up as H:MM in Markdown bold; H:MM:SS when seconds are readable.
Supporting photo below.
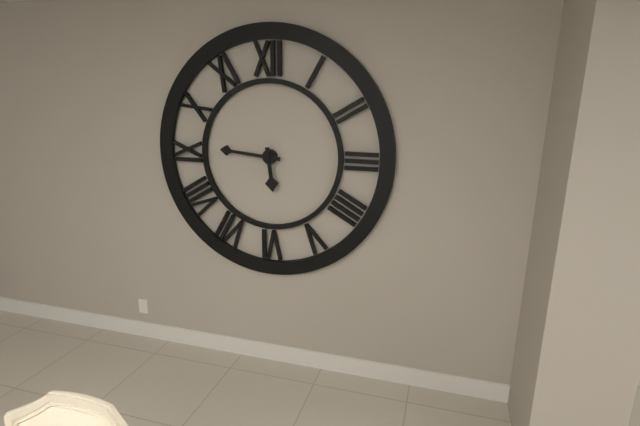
**5:46**
